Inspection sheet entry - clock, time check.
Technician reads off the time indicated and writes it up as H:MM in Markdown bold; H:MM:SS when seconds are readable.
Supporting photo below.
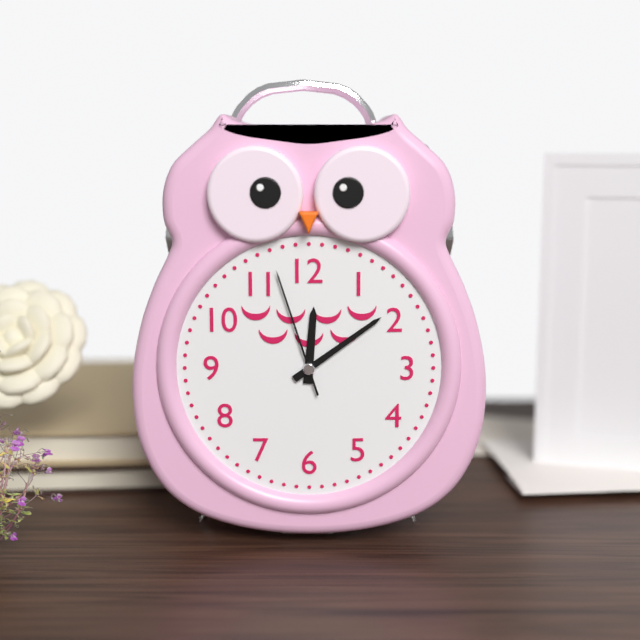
**12:09:57**
